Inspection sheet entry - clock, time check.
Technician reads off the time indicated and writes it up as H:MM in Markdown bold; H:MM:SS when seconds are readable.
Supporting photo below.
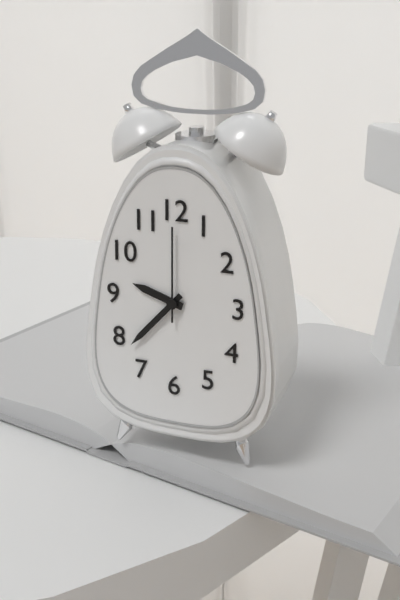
**9:37:00**
